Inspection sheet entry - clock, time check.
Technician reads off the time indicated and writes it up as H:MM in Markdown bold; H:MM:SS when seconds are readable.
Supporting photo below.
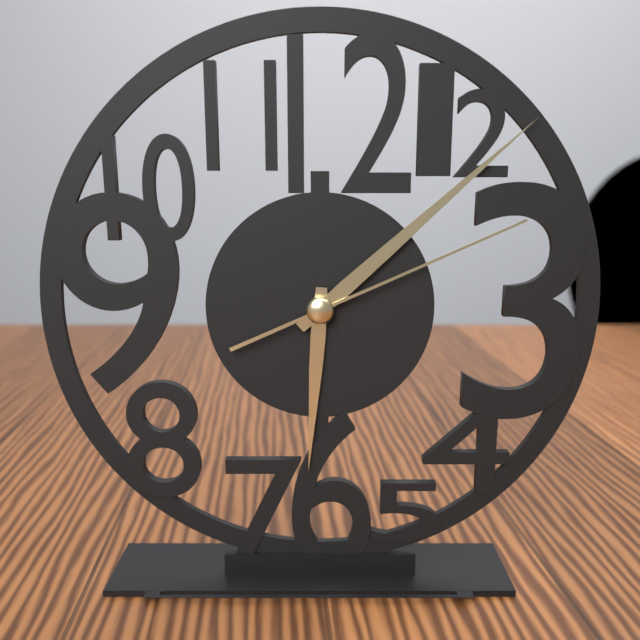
**6:08:11**
